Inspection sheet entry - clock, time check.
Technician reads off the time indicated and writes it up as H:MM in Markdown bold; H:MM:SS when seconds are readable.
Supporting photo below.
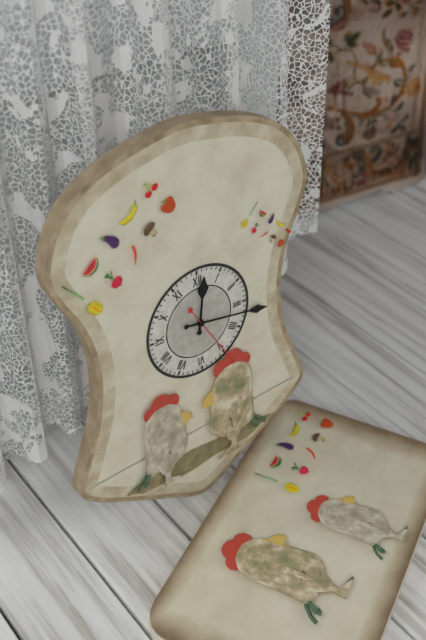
**12:17:25**
